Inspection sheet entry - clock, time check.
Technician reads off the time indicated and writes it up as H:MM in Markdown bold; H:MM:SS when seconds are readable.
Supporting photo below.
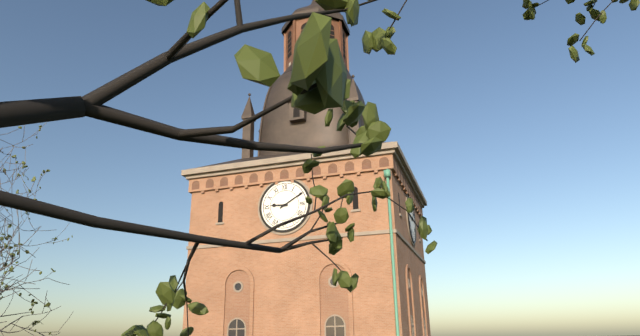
**9:10**
